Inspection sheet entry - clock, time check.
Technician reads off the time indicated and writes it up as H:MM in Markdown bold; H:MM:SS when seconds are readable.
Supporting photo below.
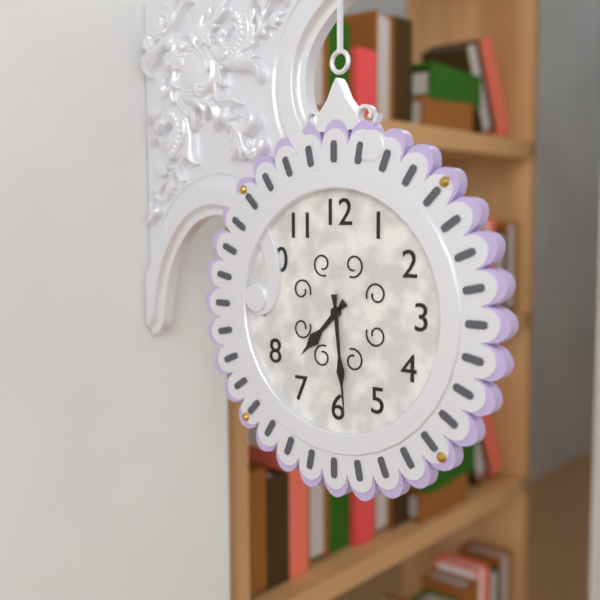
**7:29**
